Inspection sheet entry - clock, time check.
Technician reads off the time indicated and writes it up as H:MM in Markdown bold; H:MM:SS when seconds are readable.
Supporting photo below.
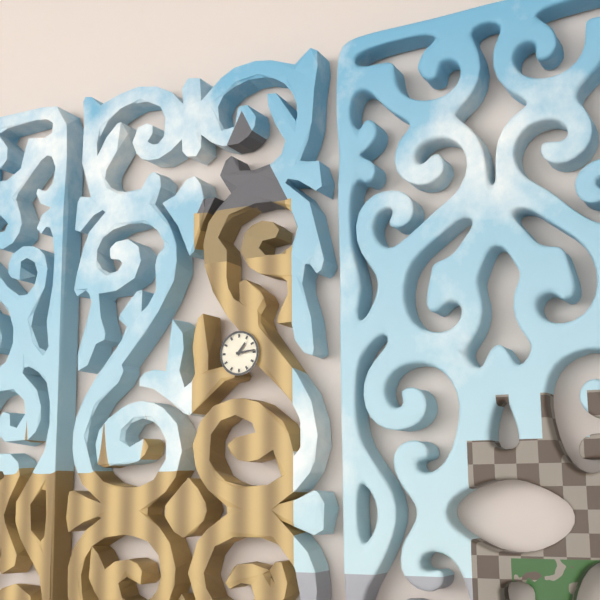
**1:14**
